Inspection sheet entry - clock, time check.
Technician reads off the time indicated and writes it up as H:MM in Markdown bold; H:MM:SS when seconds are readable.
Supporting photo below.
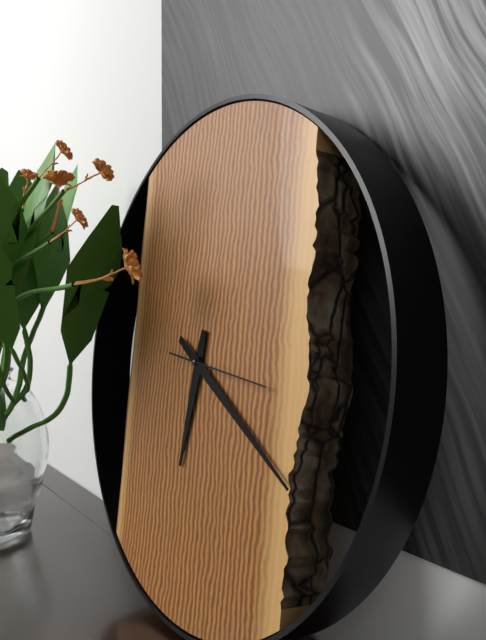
**6:20:16**
